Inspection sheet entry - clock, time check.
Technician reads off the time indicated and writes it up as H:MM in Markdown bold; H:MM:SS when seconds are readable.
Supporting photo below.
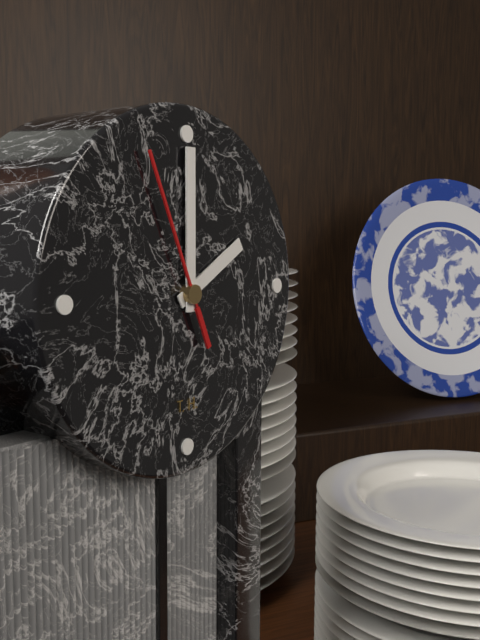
**2:00:56**
